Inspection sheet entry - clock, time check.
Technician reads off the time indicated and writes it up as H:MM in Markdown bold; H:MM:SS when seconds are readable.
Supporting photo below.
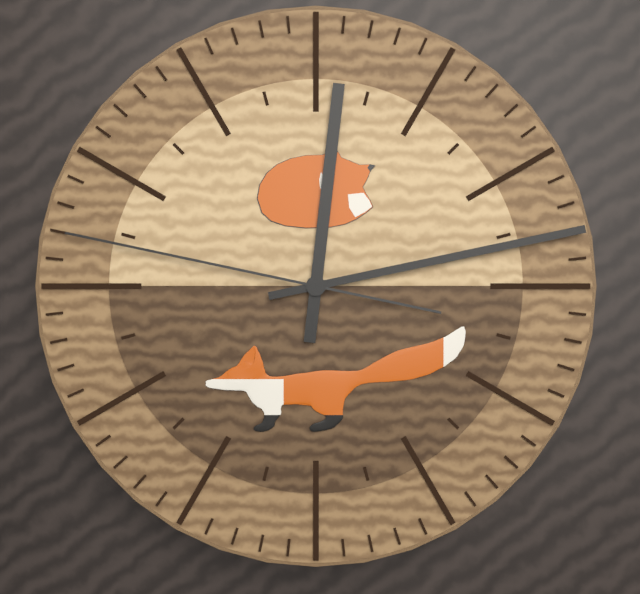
**12:13:47**
